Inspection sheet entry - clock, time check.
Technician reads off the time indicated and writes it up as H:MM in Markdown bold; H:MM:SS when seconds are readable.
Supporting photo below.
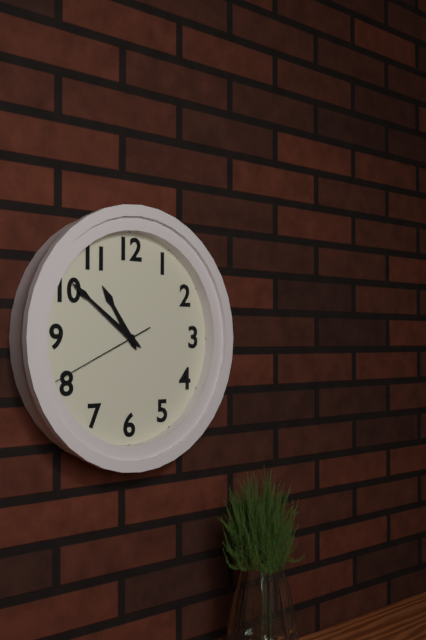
**10:51:41**
